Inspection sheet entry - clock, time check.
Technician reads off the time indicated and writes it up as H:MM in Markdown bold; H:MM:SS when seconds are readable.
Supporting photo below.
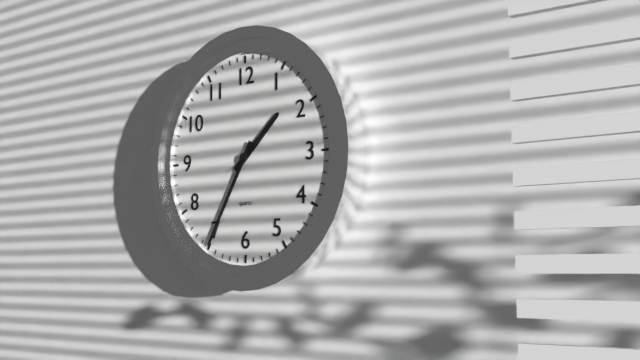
**1:35**
